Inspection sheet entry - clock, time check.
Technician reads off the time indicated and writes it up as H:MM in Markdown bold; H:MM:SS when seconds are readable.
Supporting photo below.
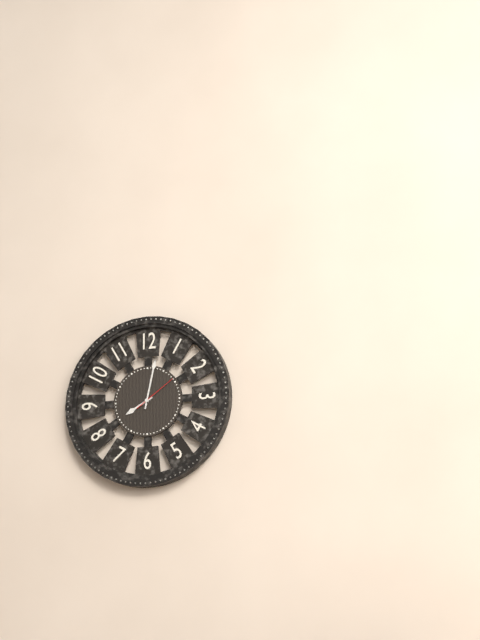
**8:02**
